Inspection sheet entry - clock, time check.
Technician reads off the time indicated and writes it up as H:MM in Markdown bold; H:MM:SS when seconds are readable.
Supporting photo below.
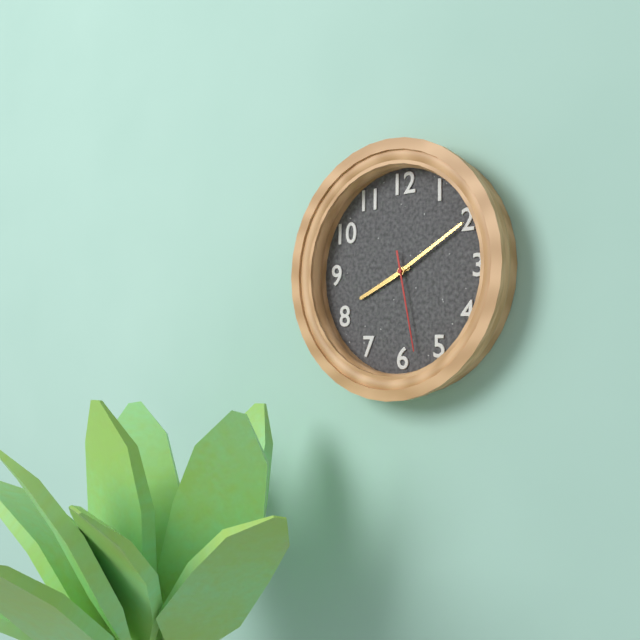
**8:10:28**
